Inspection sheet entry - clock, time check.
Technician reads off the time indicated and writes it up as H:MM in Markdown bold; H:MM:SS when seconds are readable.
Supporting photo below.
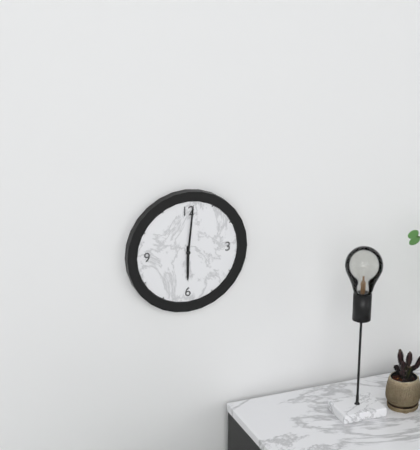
**6:01**
